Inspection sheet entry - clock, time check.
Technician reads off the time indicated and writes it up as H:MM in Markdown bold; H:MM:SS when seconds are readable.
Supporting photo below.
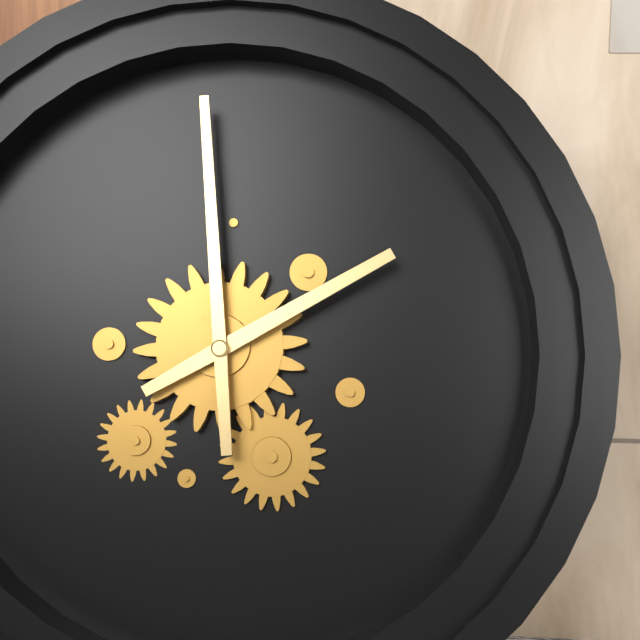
**1:59**
